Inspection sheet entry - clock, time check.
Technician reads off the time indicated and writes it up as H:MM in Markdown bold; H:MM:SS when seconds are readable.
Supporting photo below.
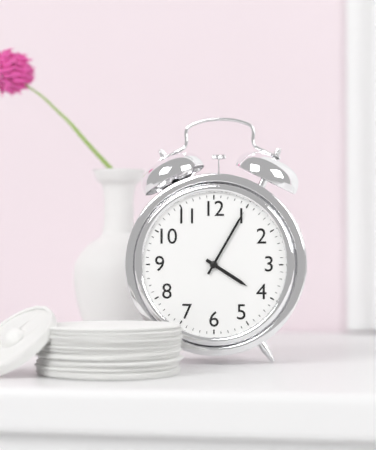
**4:05**
